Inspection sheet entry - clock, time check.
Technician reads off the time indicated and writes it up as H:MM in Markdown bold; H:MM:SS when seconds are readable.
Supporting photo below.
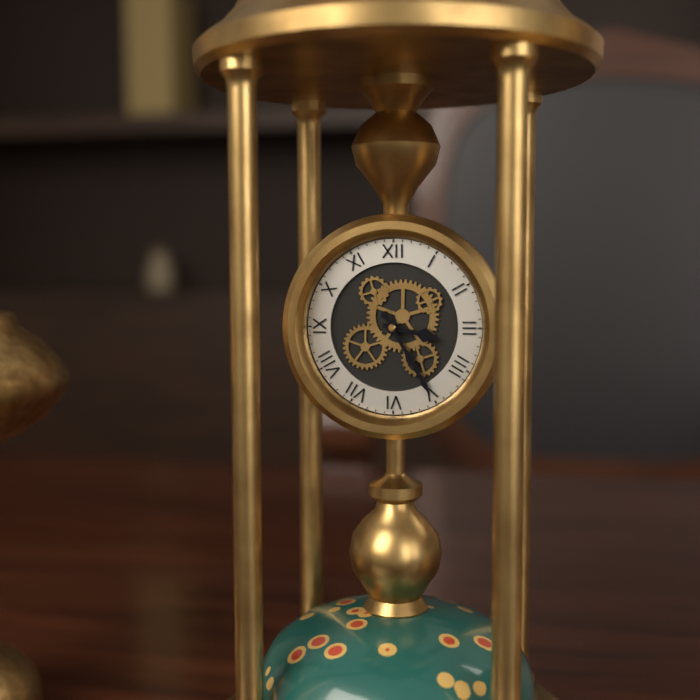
**3:25**
